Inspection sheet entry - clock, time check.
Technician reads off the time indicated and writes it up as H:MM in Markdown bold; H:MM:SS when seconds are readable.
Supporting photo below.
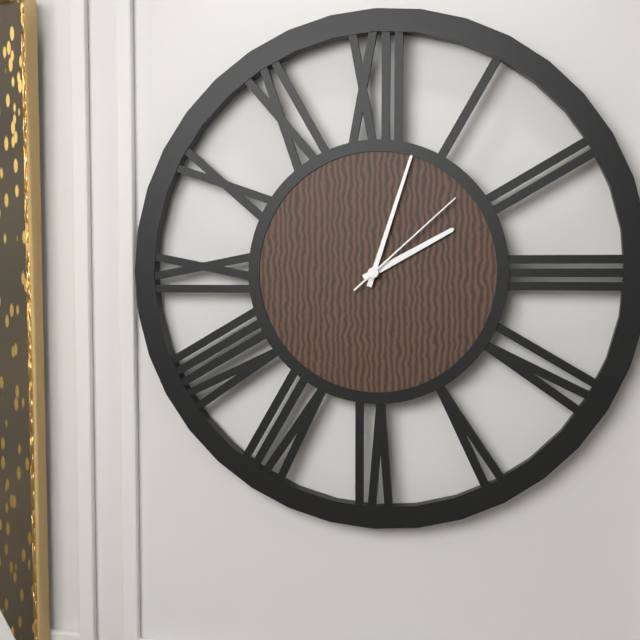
**2:03:08**
